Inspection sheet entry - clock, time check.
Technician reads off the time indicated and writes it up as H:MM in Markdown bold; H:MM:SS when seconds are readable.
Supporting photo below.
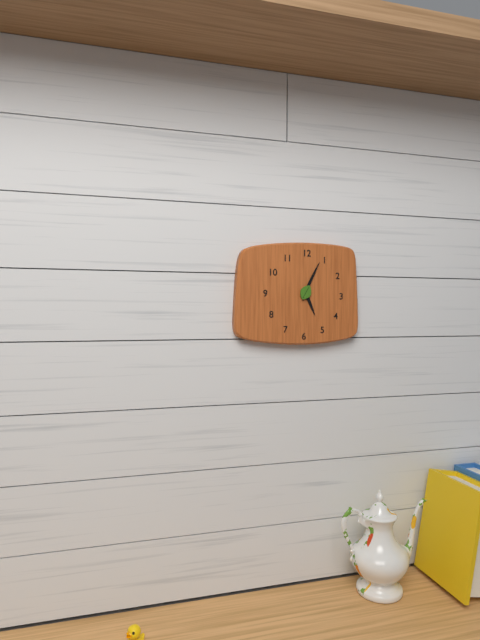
**5:04**
